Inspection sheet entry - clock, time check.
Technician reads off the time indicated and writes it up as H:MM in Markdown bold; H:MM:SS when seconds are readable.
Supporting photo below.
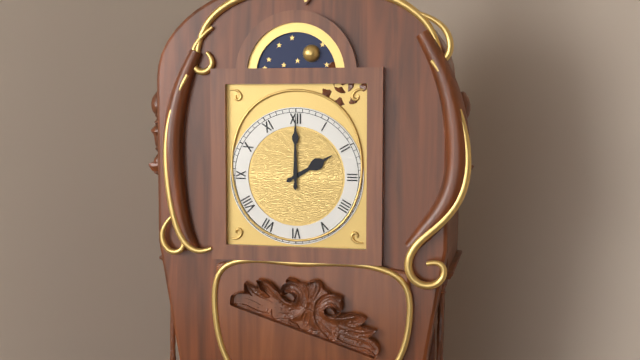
**2:00**
